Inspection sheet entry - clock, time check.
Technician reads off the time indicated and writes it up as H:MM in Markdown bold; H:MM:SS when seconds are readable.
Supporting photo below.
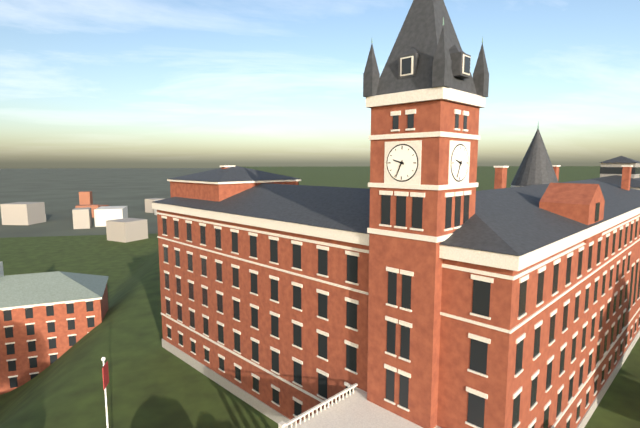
**9:34**
